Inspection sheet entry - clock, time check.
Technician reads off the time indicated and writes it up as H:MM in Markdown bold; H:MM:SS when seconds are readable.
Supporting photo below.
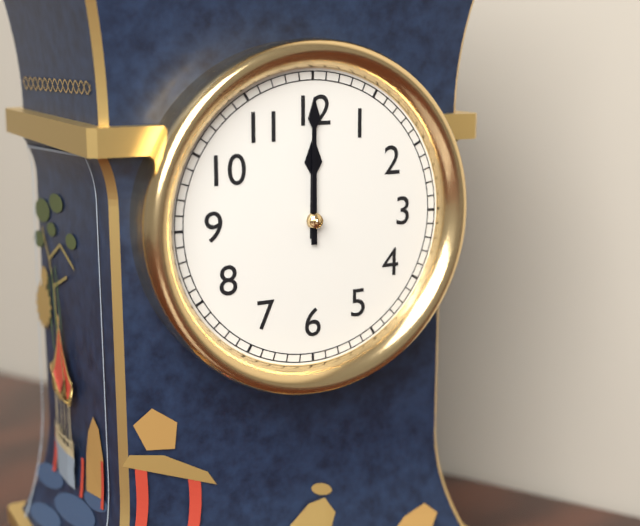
**12:00**
